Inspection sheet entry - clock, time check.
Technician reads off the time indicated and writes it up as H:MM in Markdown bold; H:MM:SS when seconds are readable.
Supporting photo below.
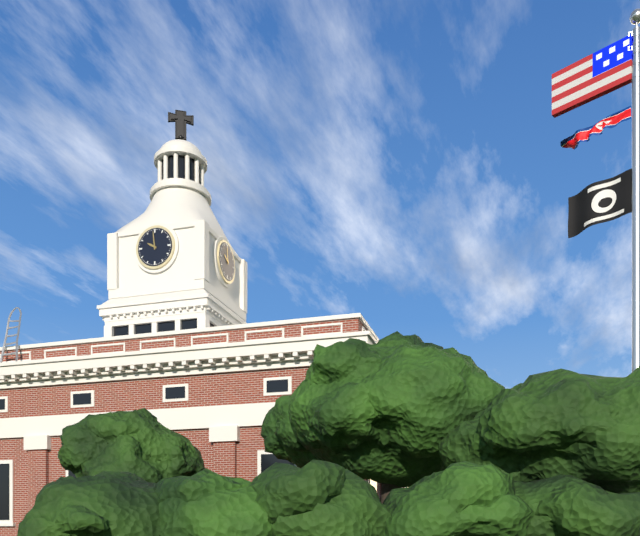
**9:59**
